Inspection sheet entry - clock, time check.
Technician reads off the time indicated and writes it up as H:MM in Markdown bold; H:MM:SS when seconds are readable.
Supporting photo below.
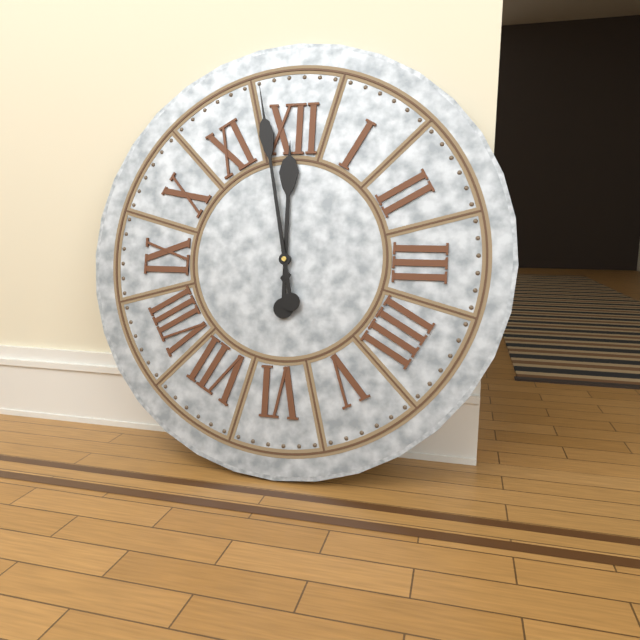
**11:58**
